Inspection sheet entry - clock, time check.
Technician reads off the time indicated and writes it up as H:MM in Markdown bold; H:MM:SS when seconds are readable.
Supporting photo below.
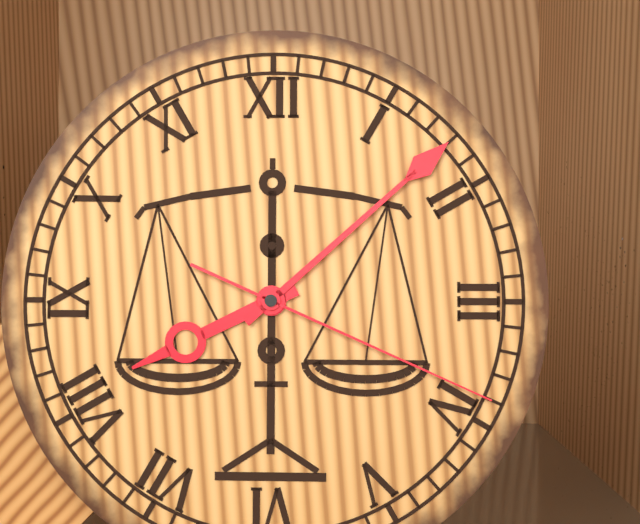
**8:08:19**
